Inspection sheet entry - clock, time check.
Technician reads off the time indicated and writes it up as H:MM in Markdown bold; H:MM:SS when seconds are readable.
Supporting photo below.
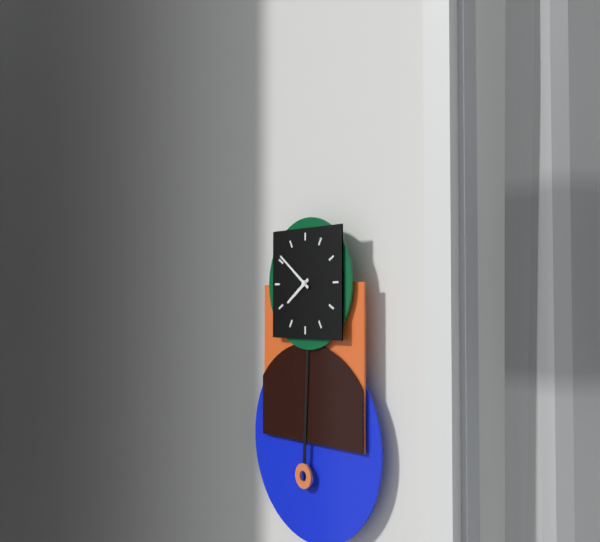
**7:51**
